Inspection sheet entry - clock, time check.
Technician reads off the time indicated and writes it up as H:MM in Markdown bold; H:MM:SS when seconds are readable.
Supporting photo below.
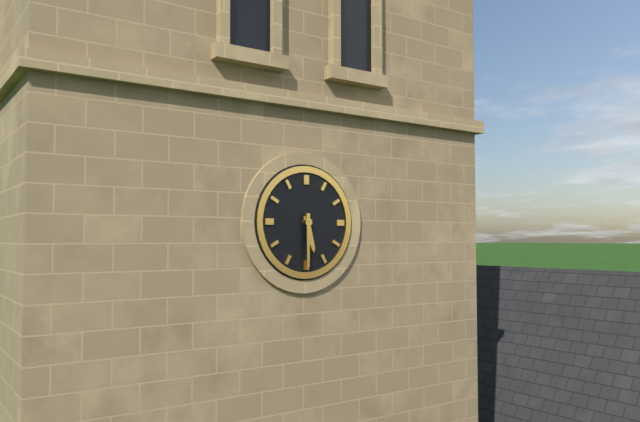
**5:30**
